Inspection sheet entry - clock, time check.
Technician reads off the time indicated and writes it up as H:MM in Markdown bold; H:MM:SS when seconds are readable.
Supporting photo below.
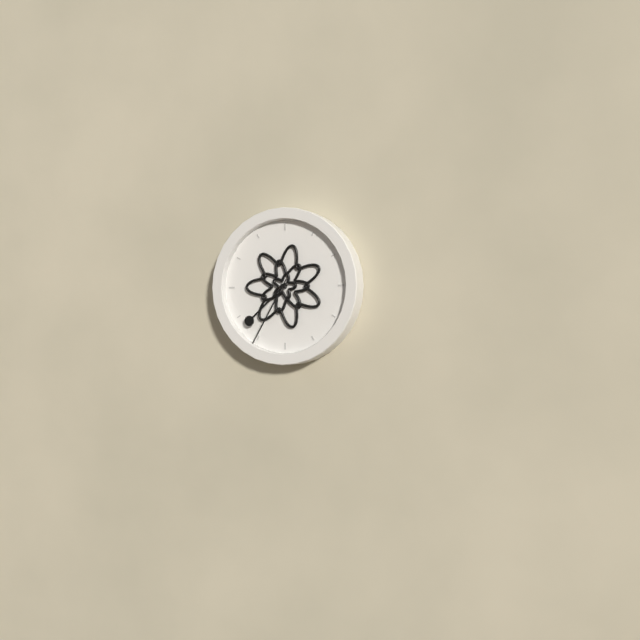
**7:35**
